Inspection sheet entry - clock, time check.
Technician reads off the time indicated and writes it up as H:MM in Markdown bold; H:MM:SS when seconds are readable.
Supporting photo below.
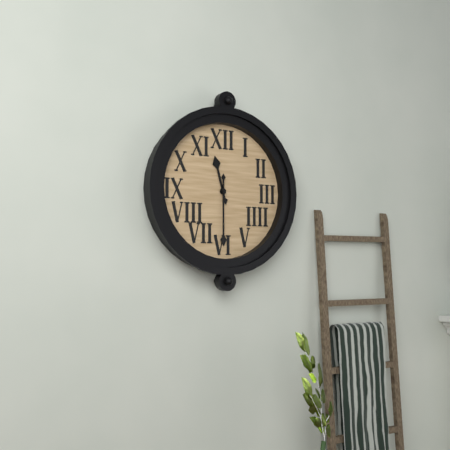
**11:30**
